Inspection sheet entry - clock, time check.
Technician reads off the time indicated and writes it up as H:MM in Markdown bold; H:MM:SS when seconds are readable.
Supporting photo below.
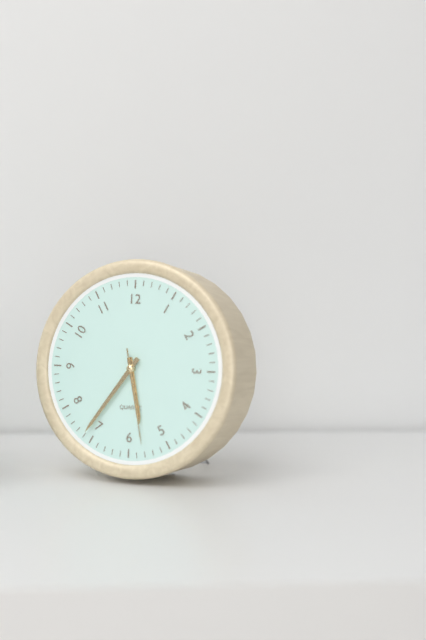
**5:36:28**
